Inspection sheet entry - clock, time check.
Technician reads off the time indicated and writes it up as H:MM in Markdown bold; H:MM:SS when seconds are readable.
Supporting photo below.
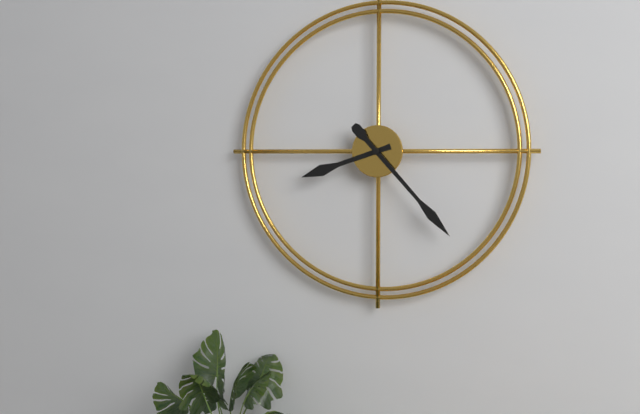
**8:23**
